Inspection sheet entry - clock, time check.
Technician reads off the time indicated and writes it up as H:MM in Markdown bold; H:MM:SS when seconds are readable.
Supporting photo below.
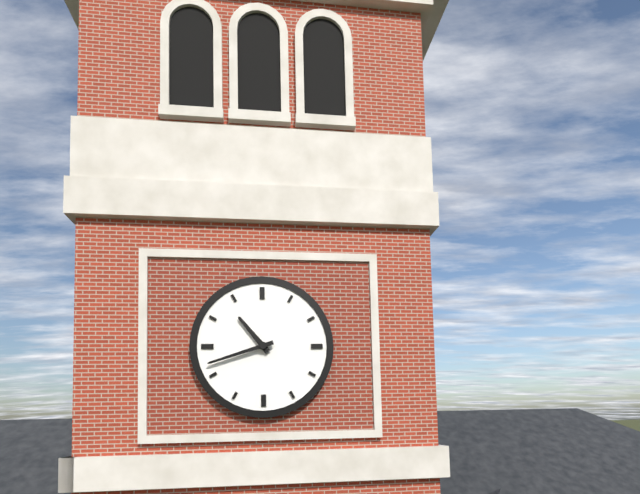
**10:42**
